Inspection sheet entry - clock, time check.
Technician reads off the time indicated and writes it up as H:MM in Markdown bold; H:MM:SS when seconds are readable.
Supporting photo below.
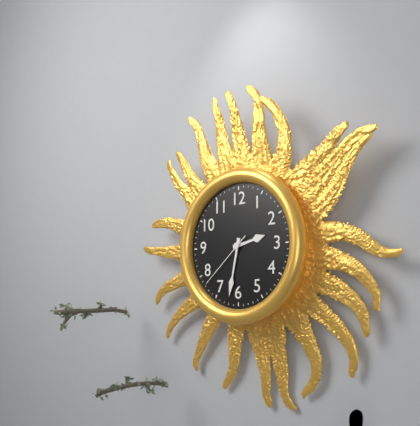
**2:32:38**
